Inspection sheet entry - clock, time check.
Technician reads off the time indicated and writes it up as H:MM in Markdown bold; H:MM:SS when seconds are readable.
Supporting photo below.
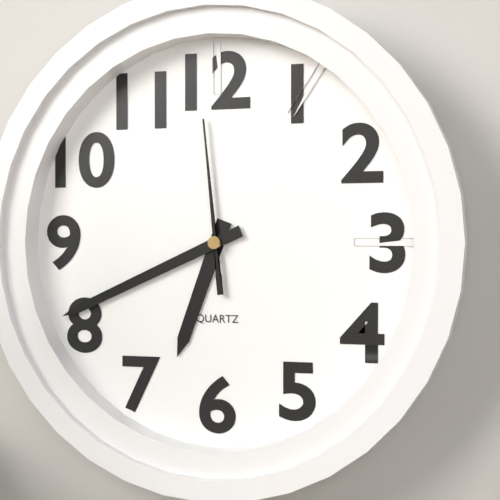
**6:41:59**
